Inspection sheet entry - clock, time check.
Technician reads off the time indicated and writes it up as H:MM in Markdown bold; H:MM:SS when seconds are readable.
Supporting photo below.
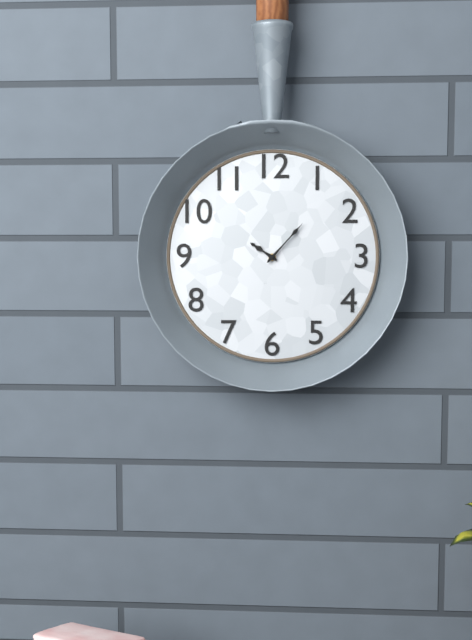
**10:07**
